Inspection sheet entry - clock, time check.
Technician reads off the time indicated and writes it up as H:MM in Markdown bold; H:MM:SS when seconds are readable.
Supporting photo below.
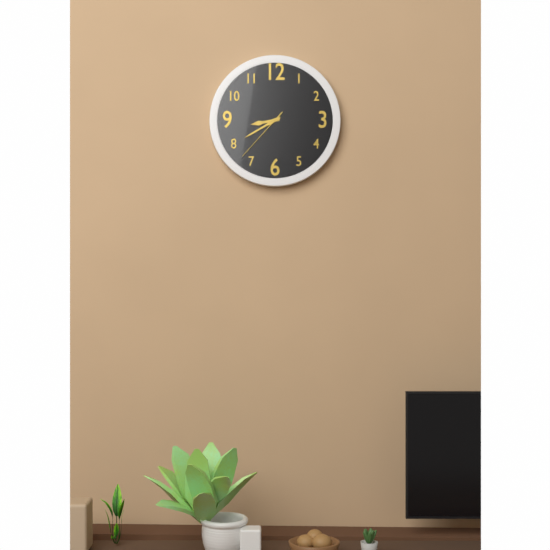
**8:40:37**
